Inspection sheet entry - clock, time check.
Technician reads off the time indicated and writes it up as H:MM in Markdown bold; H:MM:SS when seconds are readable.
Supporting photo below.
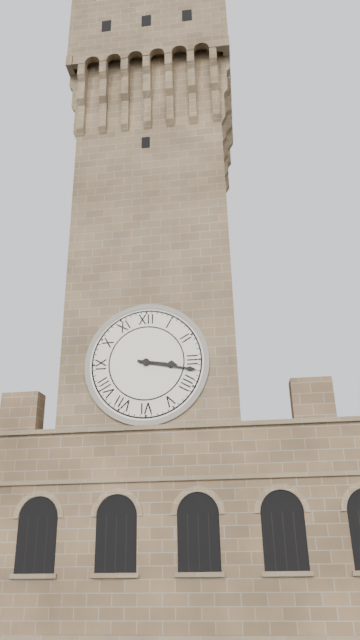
**3:17**
